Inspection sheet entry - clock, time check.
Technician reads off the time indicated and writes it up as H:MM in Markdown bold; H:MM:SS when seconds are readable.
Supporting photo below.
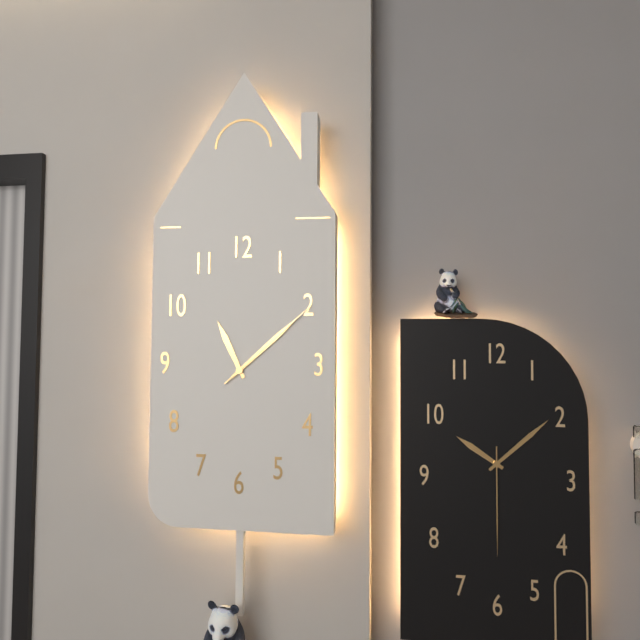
**11:08:08**
